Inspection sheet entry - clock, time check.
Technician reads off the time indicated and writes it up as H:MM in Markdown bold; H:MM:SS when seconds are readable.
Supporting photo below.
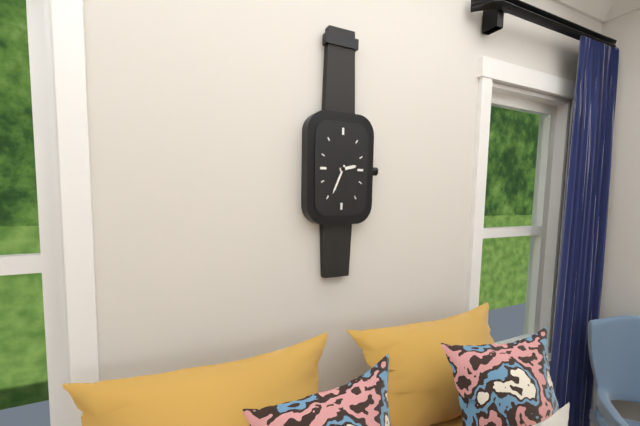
**2:34**
